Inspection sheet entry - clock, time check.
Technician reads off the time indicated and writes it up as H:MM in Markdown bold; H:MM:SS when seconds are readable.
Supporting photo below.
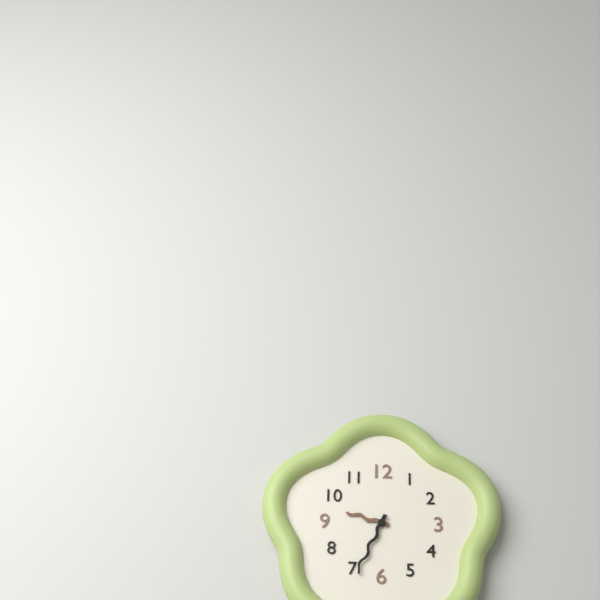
**9:34**
